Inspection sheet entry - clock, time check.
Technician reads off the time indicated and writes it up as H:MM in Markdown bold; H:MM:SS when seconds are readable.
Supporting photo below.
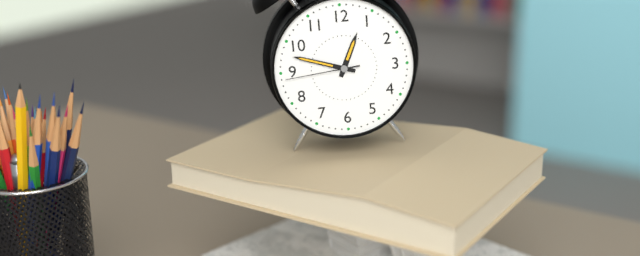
**12:48:44**
